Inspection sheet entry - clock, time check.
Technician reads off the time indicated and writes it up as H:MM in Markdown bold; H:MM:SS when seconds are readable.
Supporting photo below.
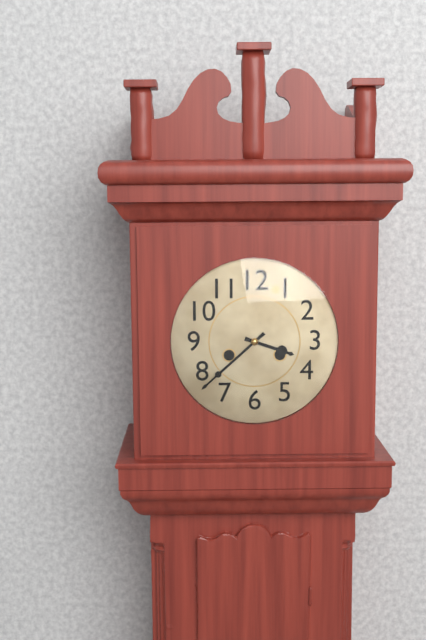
**3:38**
